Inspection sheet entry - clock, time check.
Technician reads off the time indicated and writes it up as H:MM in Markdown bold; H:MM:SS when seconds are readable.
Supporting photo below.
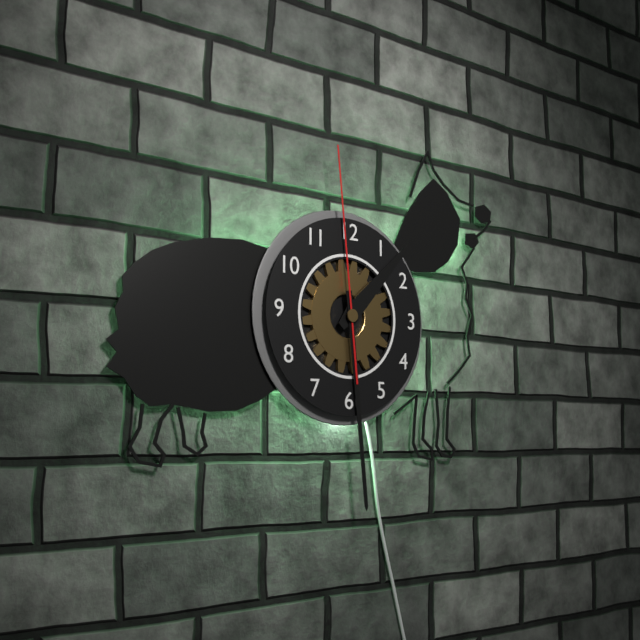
**1:29:59**
